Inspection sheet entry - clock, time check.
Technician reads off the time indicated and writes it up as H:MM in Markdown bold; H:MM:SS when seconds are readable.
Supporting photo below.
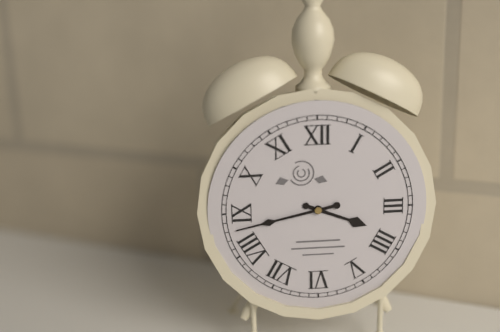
**3:43**
